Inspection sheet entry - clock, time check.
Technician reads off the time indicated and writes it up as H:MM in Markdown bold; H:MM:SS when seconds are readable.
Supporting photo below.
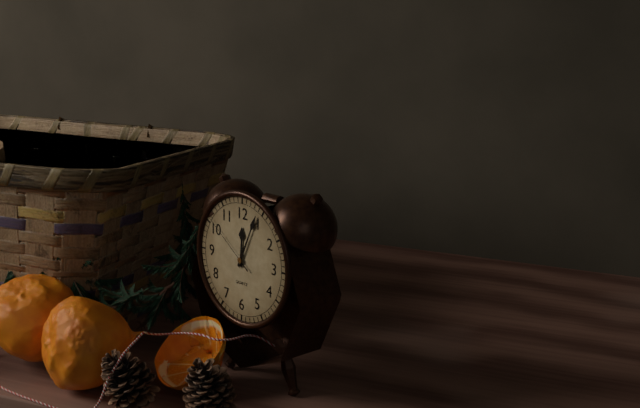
**12:04:51**
